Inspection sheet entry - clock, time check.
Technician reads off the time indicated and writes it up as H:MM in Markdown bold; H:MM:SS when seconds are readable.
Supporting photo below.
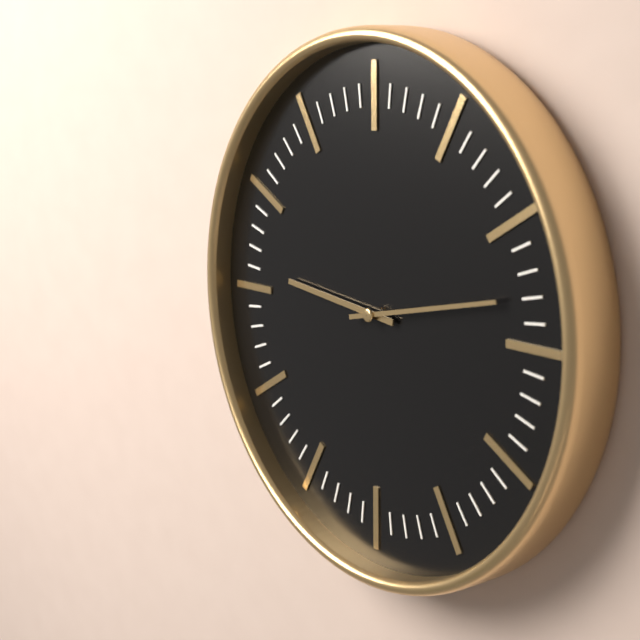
**9:13**
